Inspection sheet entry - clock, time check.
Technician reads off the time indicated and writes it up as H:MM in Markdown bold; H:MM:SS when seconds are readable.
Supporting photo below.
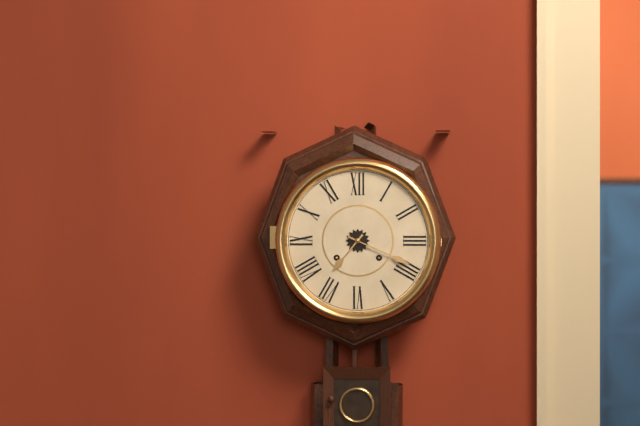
**7:19**
